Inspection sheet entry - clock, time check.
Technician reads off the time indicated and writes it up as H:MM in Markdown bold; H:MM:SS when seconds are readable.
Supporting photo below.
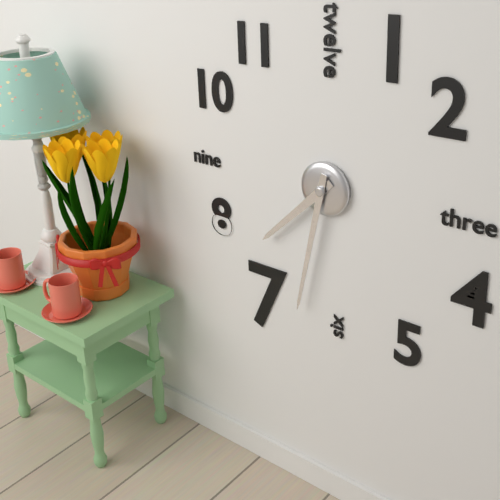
**7:32**
